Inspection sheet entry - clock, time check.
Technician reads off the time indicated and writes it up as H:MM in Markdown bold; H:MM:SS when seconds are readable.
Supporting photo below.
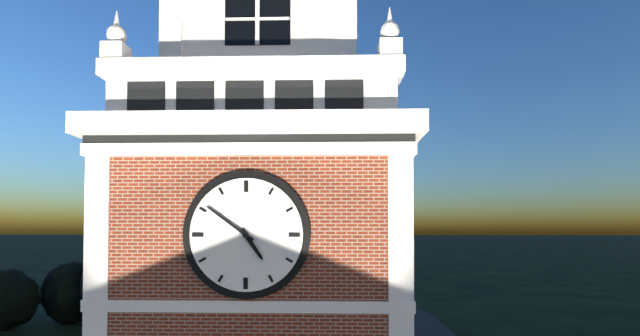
**4:51**
